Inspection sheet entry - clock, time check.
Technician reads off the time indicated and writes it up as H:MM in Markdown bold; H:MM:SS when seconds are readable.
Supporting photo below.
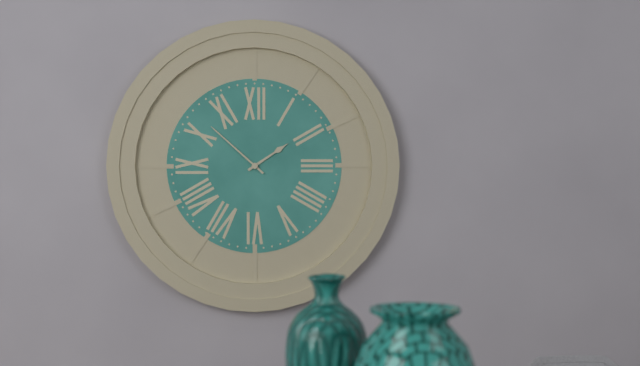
**1:52**
